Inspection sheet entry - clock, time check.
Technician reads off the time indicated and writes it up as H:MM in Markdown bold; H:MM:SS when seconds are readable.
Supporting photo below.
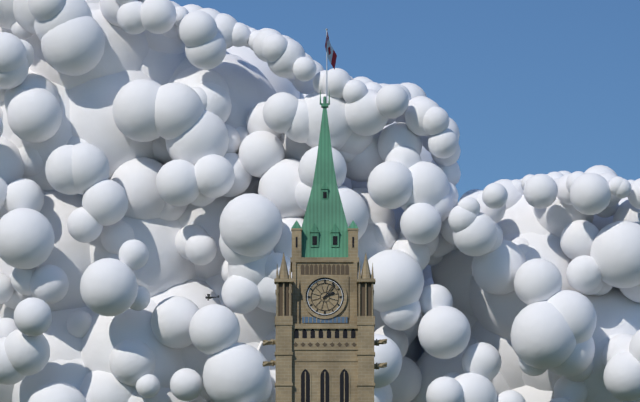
**2:06**
